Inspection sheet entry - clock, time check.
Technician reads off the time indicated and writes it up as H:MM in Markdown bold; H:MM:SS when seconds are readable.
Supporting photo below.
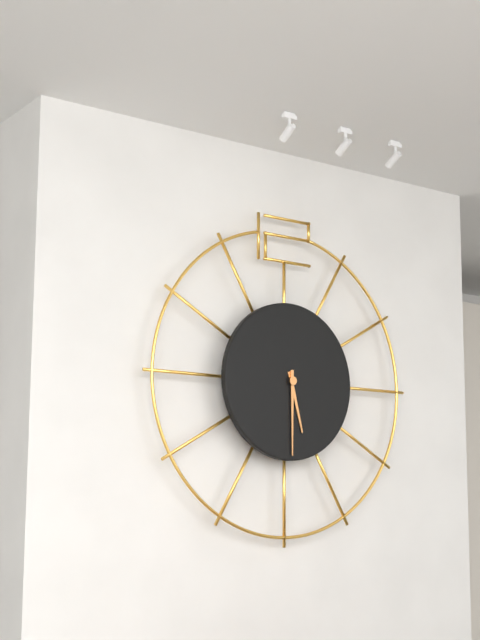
**5:30**
